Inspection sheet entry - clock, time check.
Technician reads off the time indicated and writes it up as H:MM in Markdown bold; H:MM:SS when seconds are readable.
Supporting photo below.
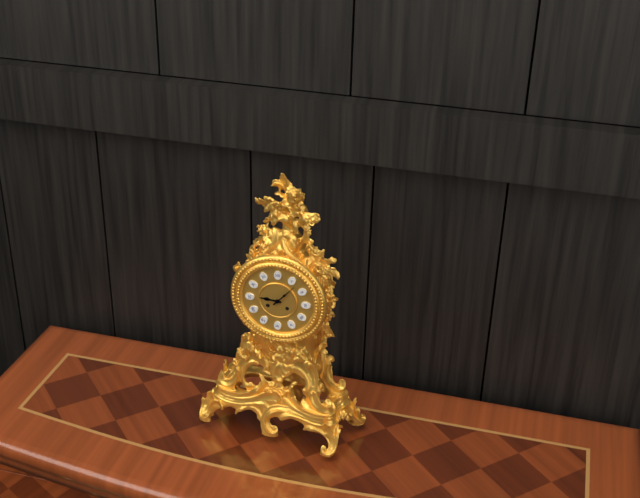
**9:07**
